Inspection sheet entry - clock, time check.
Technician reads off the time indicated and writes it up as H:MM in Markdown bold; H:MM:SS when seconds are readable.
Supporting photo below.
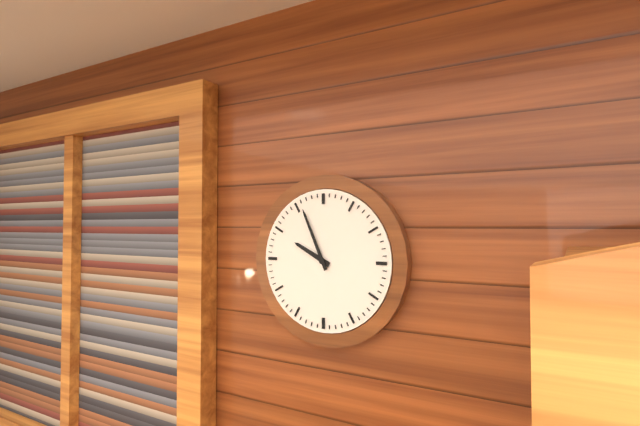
**9:56**
